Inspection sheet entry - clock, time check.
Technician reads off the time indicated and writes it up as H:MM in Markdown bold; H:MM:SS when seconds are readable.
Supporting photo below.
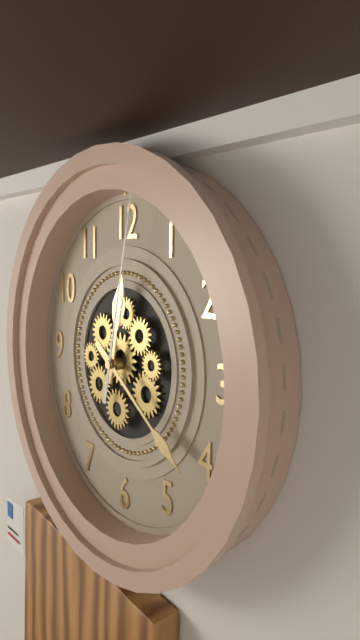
**12:21:02**
